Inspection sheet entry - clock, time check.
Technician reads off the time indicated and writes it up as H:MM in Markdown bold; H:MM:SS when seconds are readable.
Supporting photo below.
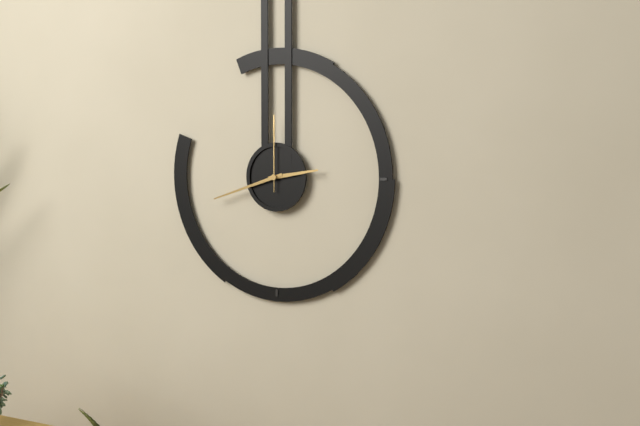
**2:42:00**
